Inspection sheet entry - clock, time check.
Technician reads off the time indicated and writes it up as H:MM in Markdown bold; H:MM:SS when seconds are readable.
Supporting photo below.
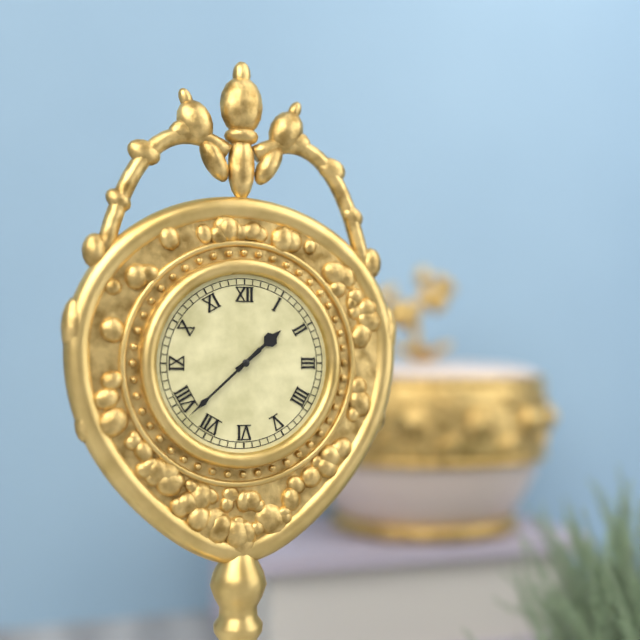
**1:38**
